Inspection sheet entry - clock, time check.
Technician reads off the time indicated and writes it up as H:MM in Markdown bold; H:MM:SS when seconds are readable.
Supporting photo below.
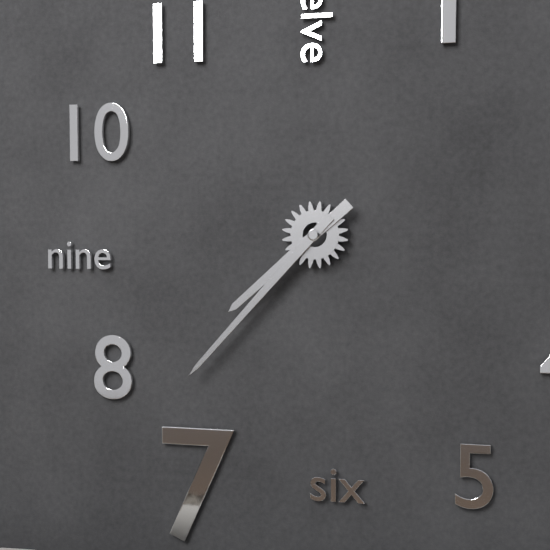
**7:37**
